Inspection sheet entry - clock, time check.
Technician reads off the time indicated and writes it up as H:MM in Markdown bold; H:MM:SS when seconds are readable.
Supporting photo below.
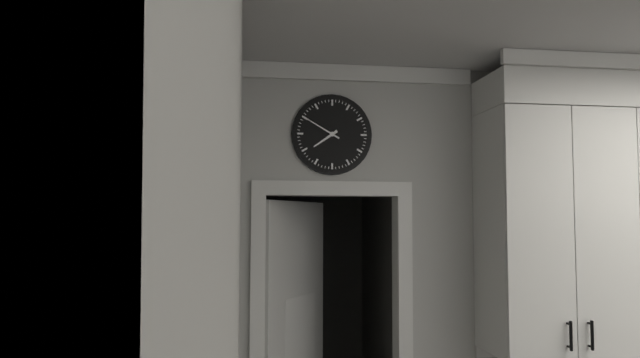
**7:50**
